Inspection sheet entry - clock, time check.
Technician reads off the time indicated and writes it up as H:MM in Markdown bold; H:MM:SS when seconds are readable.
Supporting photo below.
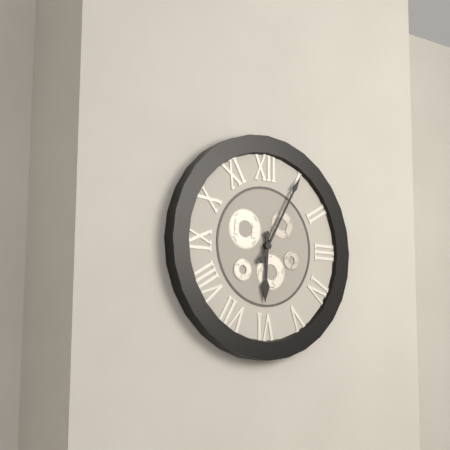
**6:05**
